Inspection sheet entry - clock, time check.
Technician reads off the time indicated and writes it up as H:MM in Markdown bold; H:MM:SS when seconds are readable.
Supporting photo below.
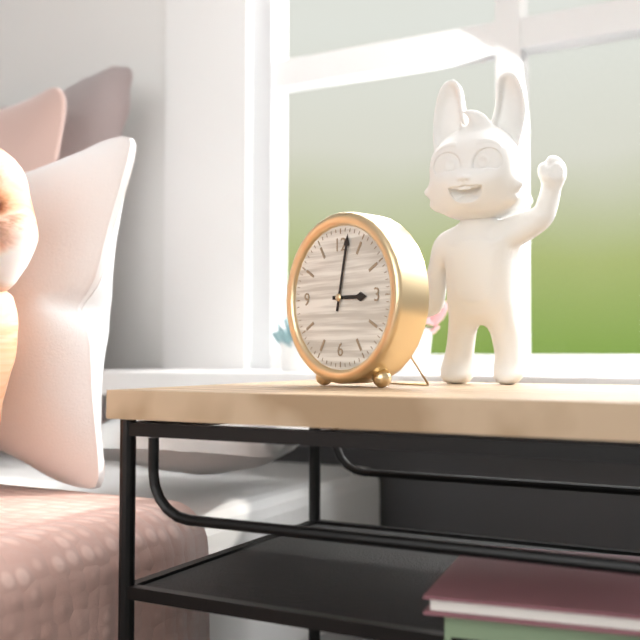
**3:02**
